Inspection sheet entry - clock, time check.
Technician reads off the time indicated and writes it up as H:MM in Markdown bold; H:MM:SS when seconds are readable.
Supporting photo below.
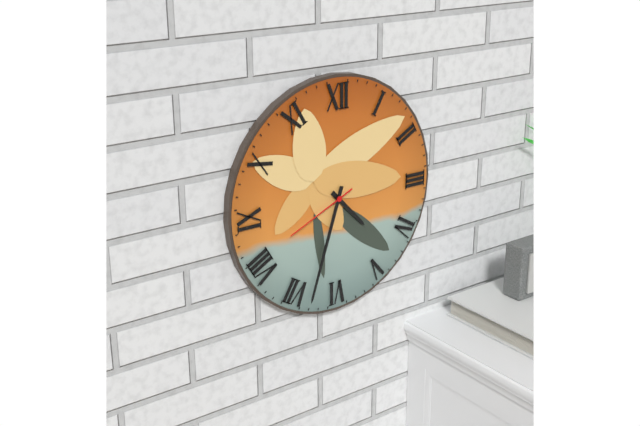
**4:33:41**
